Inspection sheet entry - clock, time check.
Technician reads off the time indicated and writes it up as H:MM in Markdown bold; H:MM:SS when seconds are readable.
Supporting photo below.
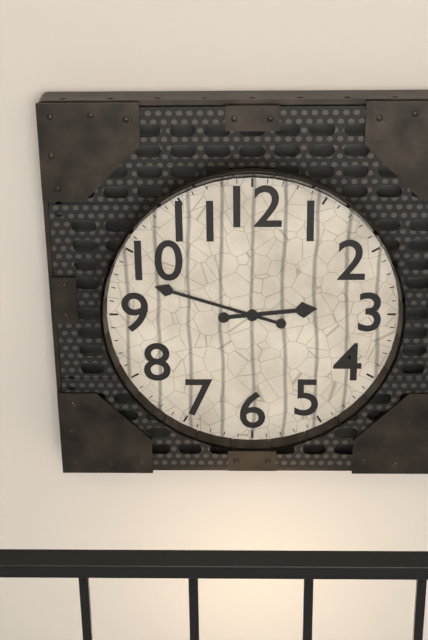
**2:48**
